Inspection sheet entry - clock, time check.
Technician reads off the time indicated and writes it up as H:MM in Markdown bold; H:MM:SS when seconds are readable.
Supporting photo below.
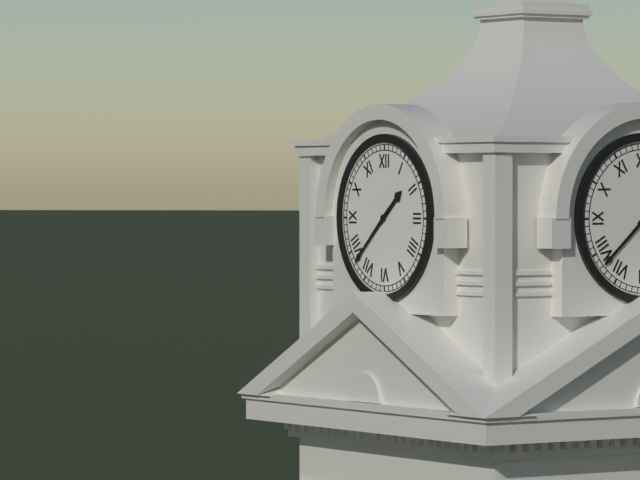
**1:38**
